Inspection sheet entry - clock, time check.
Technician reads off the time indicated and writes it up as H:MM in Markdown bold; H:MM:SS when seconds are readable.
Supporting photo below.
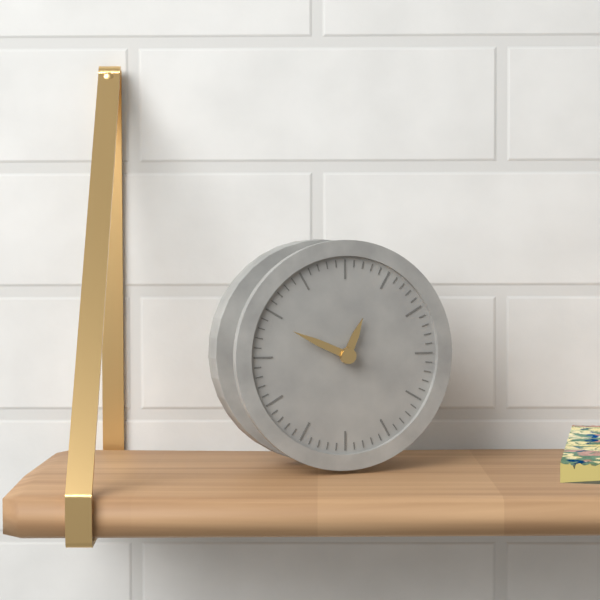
**12:49**
